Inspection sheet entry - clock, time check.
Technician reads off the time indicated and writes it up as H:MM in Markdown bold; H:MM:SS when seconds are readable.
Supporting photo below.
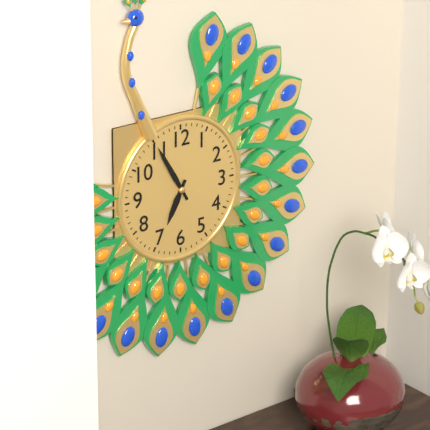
**6:55**
